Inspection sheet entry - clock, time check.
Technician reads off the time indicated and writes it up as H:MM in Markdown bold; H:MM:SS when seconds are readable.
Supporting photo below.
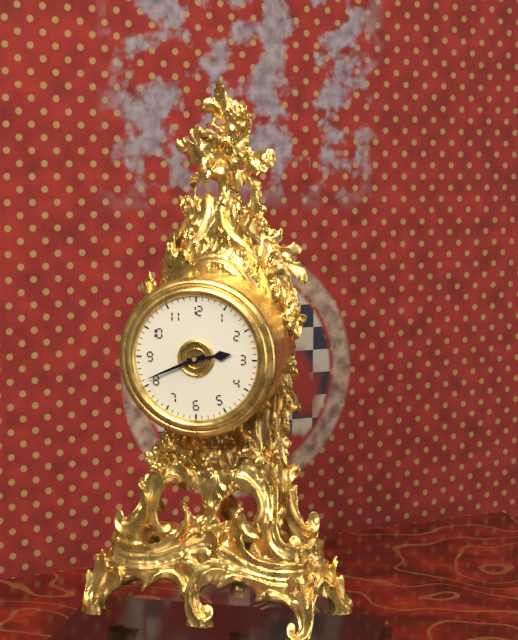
**2:41**
